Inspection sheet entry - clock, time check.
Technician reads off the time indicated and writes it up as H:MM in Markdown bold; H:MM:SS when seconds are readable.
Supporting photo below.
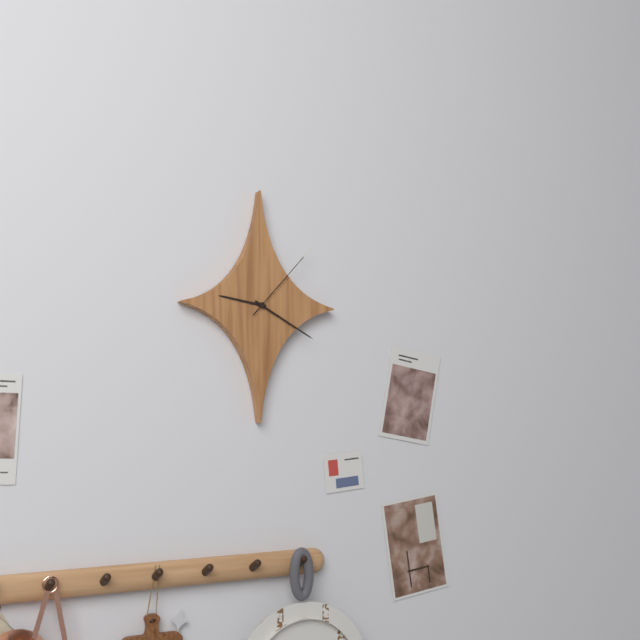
**9:20:07**
